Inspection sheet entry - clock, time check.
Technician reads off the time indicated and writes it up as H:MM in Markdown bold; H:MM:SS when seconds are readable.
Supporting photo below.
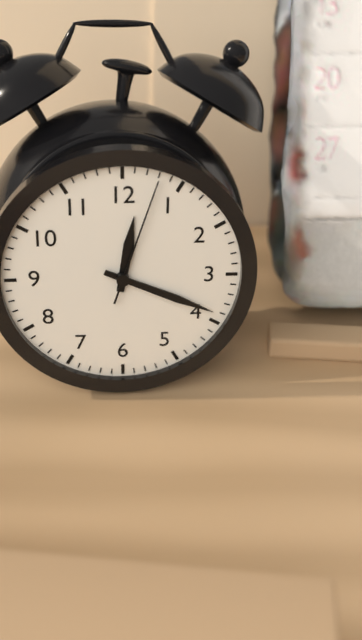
**12:19:03**
